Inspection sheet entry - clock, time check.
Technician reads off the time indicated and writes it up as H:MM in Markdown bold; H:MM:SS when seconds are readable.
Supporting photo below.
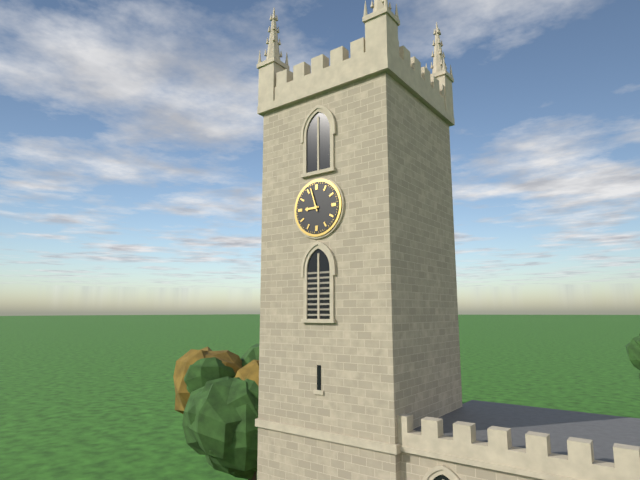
**8:57**
